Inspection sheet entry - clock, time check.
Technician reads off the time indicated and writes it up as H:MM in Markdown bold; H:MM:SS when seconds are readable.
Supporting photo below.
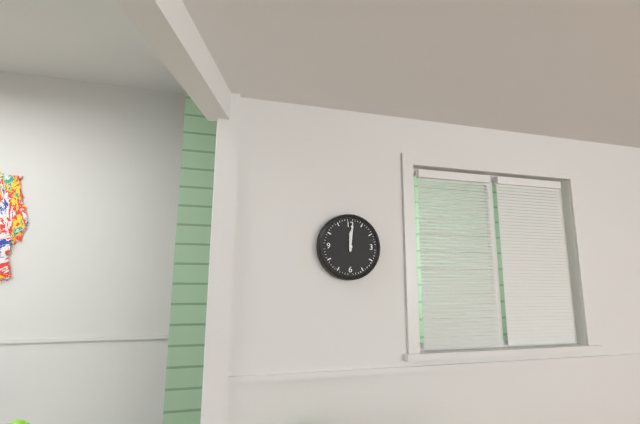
**12:01**
